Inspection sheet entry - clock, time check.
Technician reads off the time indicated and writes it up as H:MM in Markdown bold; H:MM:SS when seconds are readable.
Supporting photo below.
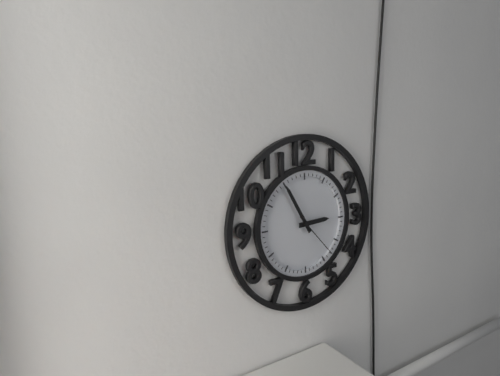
**2:55:23**
